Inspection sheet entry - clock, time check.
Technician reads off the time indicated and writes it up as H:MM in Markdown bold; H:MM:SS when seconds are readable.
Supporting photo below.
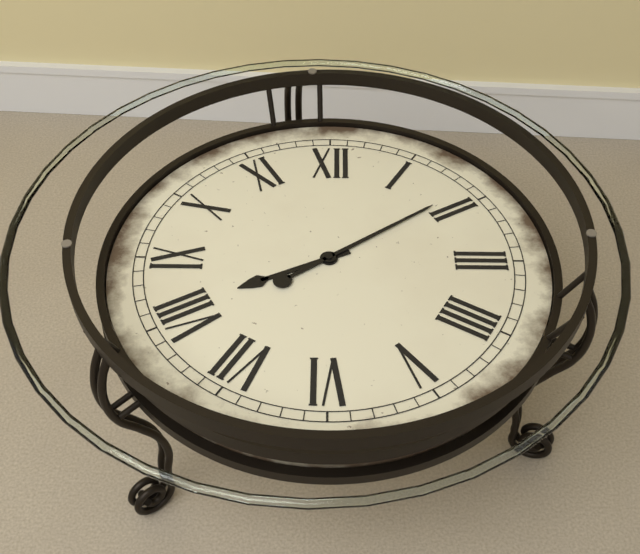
**8:09**
